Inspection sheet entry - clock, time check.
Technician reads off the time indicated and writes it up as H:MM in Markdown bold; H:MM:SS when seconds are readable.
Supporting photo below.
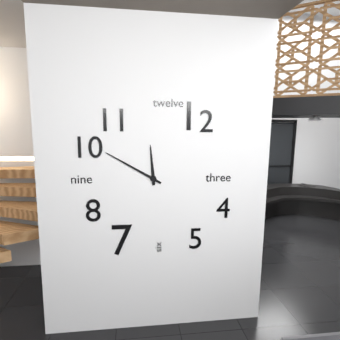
**11:50**
